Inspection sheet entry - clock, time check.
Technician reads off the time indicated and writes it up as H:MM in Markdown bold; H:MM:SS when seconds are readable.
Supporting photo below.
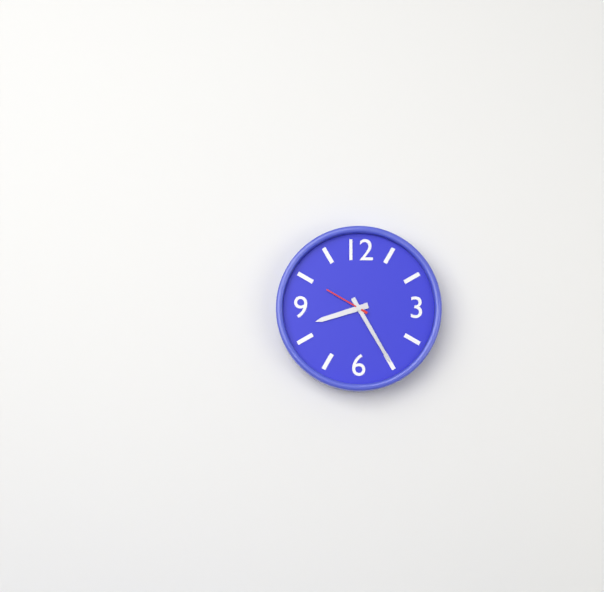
**8:25**
